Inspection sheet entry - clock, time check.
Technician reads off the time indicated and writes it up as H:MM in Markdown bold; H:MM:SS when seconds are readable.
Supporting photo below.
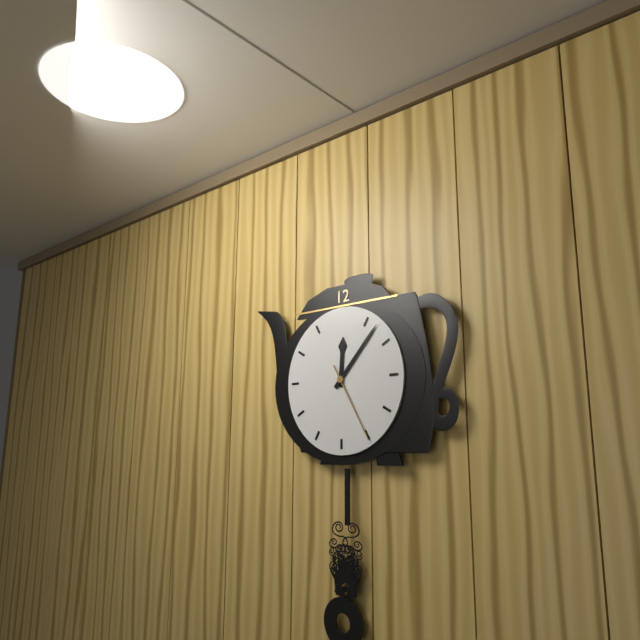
**12:07:25**
